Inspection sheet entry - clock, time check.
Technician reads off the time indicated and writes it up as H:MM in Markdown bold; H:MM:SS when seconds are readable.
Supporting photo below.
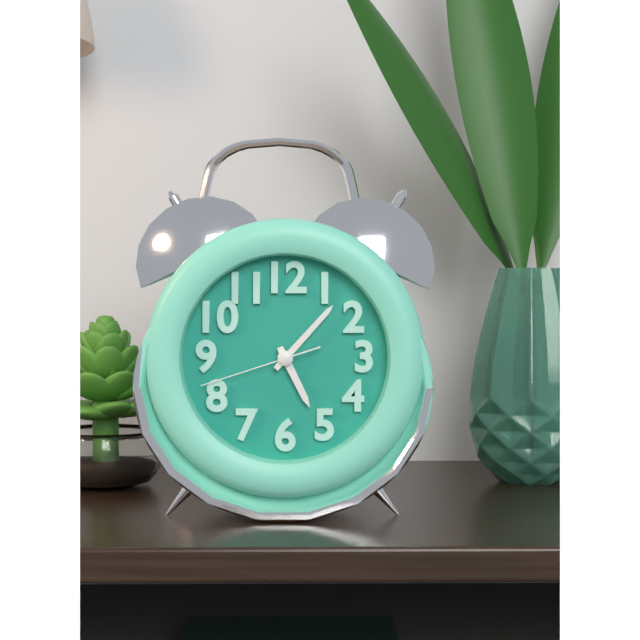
**5:07:42**
